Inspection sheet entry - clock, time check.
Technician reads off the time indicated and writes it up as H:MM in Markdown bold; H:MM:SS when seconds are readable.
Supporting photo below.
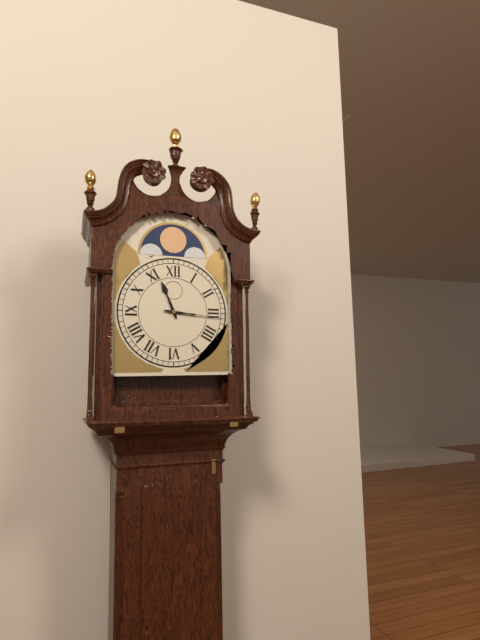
**11:16**
